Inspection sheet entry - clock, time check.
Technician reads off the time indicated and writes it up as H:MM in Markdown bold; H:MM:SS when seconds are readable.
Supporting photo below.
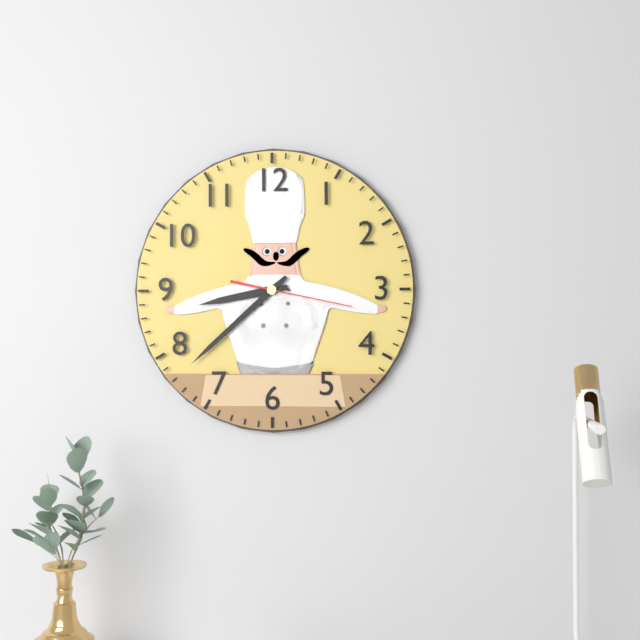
**8:38:17**
